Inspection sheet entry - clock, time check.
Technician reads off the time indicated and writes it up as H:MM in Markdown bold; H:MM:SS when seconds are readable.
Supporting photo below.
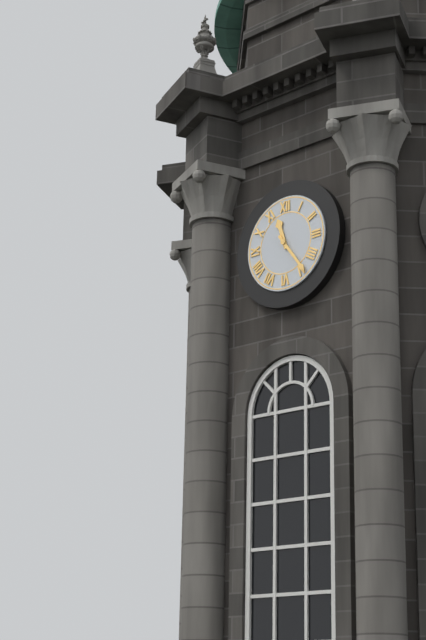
**11:24**
